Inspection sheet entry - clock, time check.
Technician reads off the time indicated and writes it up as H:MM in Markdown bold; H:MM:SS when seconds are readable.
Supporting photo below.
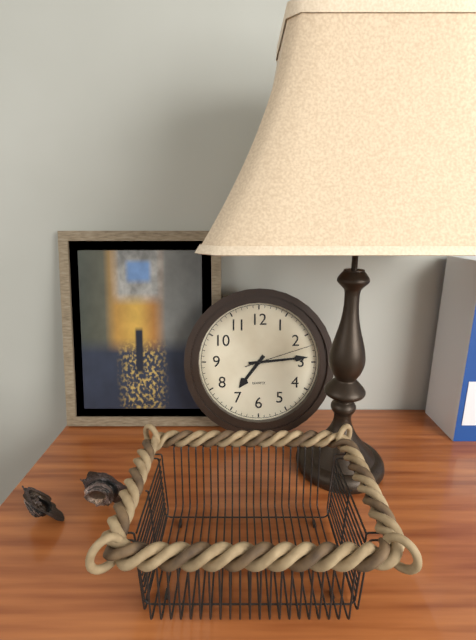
**7:14:12**
